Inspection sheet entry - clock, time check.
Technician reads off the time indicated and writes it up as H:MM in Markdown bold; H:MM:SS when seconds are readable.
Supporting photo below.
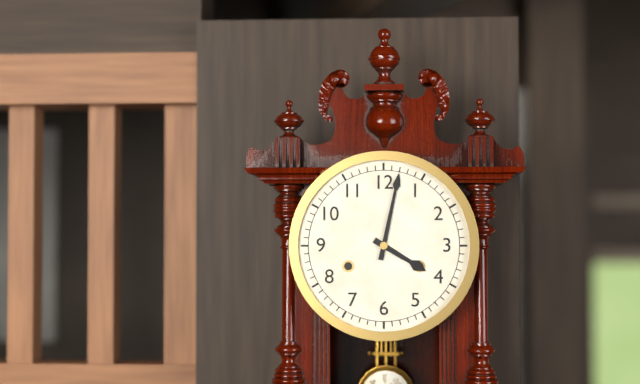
**4:02**
